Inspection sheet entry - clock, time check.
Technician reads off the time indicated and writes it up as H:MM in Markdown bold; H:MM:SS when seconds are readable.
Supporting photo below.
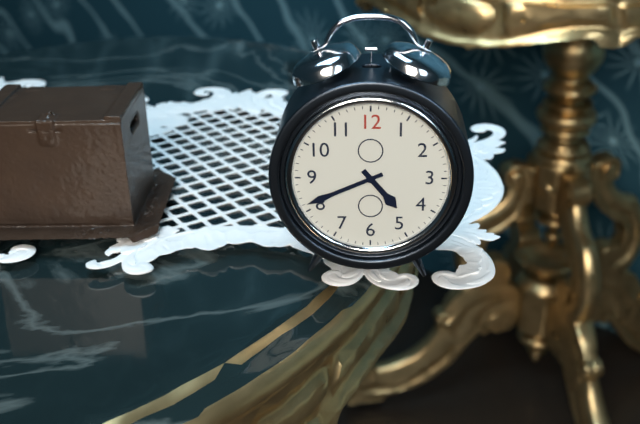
**4:41**
